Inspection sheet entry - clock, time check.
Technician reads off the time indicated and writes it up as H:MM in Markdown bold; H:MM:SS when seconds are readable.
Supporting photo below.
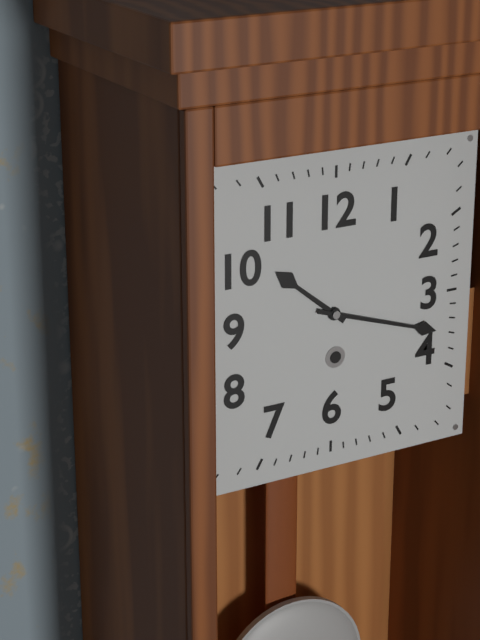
**10:18**
